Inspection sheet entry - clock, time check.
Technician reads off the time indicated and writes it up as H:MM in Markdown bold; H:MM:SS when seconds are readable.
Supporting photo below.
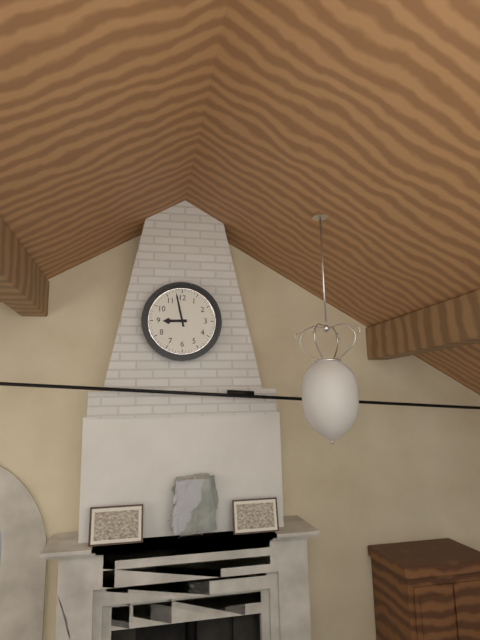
**8:58**
